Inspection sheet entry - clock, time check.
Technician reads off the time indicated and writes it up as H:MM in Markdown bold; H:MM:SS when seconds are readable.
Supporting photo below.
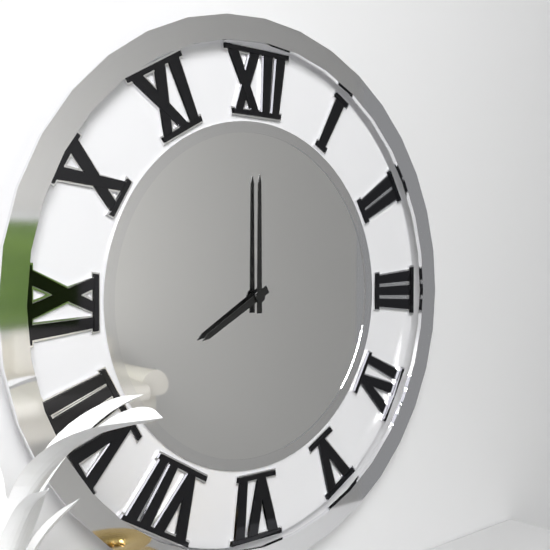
**8:00**
